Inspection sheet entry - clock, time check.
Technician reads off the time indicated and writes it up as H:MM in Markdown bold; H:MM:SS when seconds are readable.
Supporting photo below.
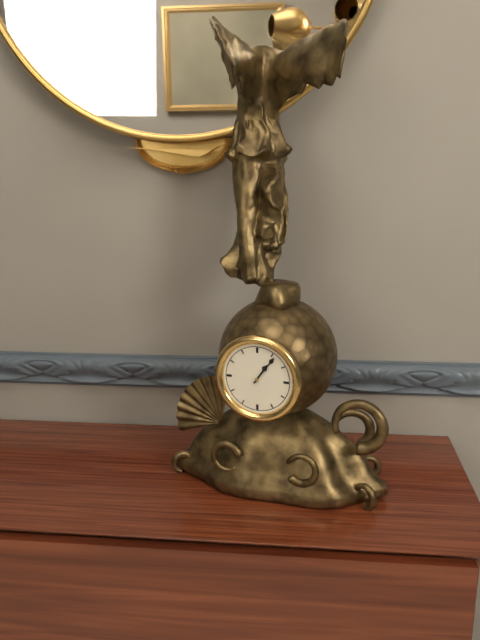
**1:06**
